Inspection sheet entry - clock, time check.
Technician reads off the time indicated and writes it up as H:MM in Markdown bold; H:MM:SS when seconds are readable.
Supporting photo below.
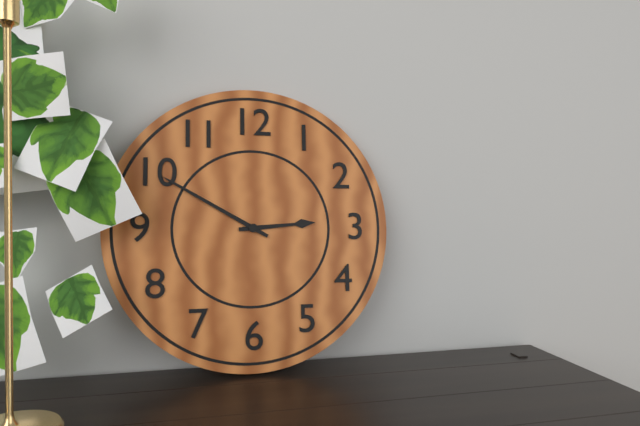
**2:50**
